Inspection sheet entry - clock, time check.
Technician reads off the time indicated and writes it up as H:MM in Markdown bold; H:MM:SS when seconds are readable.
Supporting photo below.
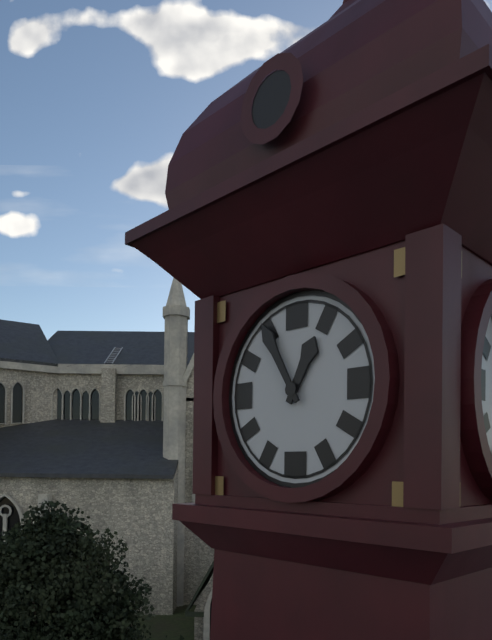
**12:55**
